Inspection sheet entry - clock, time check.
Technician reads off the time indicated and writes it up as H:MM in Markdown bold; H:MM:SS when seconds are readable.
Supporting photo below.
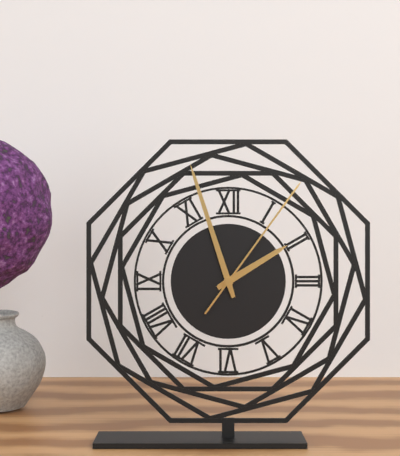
**1:57:06**
